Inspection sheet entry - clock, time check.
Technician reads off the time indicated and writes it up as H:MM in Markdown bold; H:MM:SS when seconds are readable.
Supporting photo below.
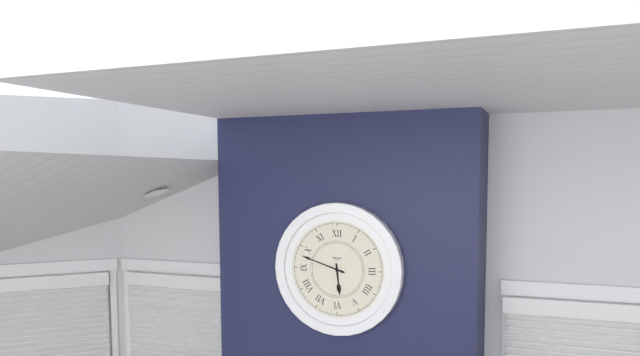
**5:48**
